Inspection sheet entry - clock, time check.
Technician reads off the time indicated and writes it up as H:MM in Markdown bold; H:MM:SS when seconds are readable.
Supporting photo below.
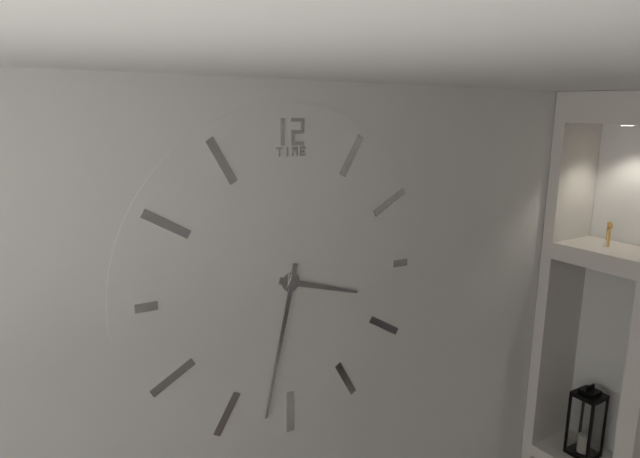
**3:32**
